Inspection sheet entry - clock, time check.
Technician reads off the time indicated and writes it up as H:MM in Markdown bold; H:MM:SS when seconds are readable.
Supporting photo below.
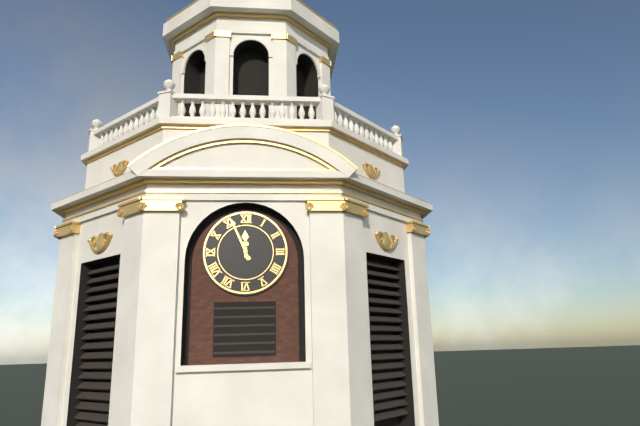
**11:56**
